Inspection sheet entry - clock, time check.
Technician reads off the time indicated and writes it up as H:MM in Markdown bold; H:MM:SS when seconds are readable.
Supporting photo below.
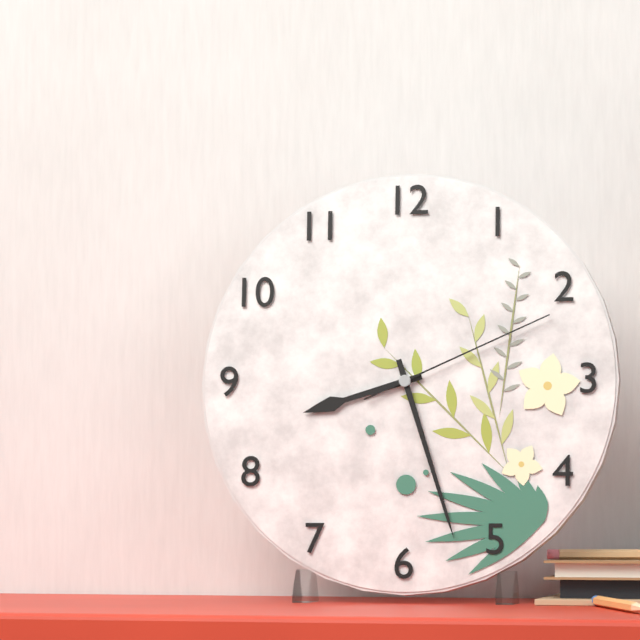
**8:27:11**
